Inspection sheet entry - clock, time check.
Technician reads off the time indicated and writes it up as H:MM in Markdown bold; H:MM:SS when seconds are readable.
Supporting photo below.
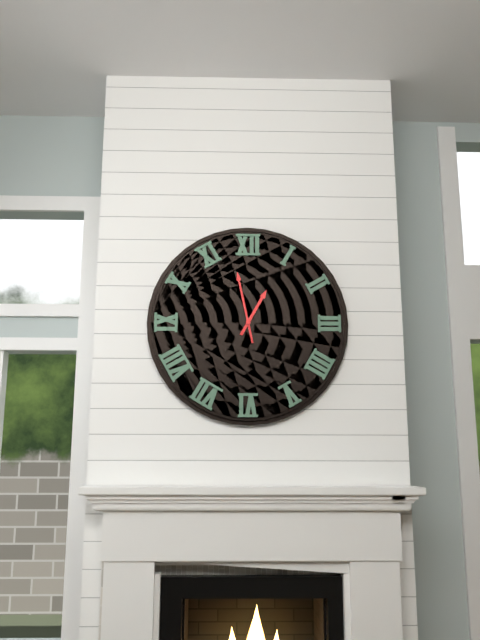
**12:58**
